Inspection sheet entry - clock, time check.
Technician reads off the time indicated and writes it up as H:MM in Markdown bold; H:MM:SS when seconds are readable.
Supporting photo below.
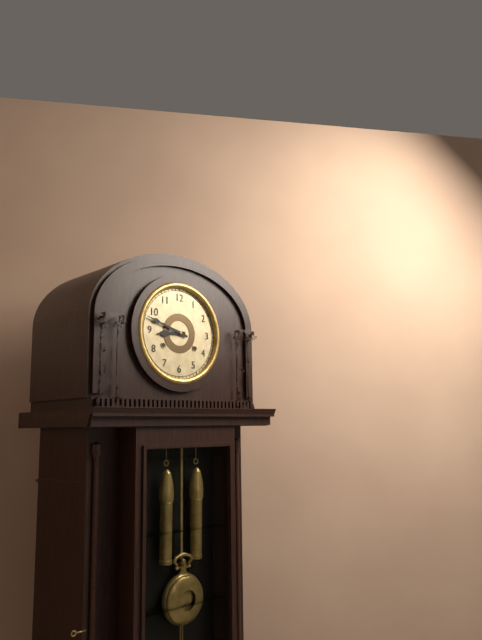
**8:48**
